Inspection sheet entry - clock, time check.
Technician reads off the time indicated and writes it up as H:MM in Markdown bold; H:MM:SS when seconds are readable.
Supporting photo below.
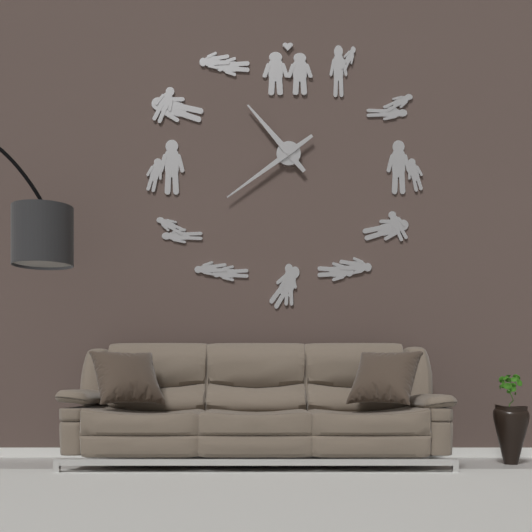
**10:39**
